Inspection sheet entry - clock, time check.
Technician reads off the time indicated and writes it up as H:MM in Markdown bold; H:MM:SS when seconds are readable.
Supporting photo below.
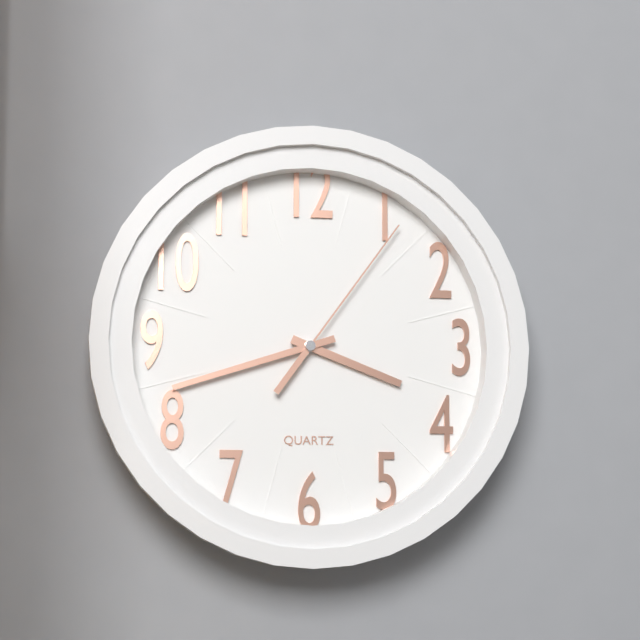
**3:42:06**
